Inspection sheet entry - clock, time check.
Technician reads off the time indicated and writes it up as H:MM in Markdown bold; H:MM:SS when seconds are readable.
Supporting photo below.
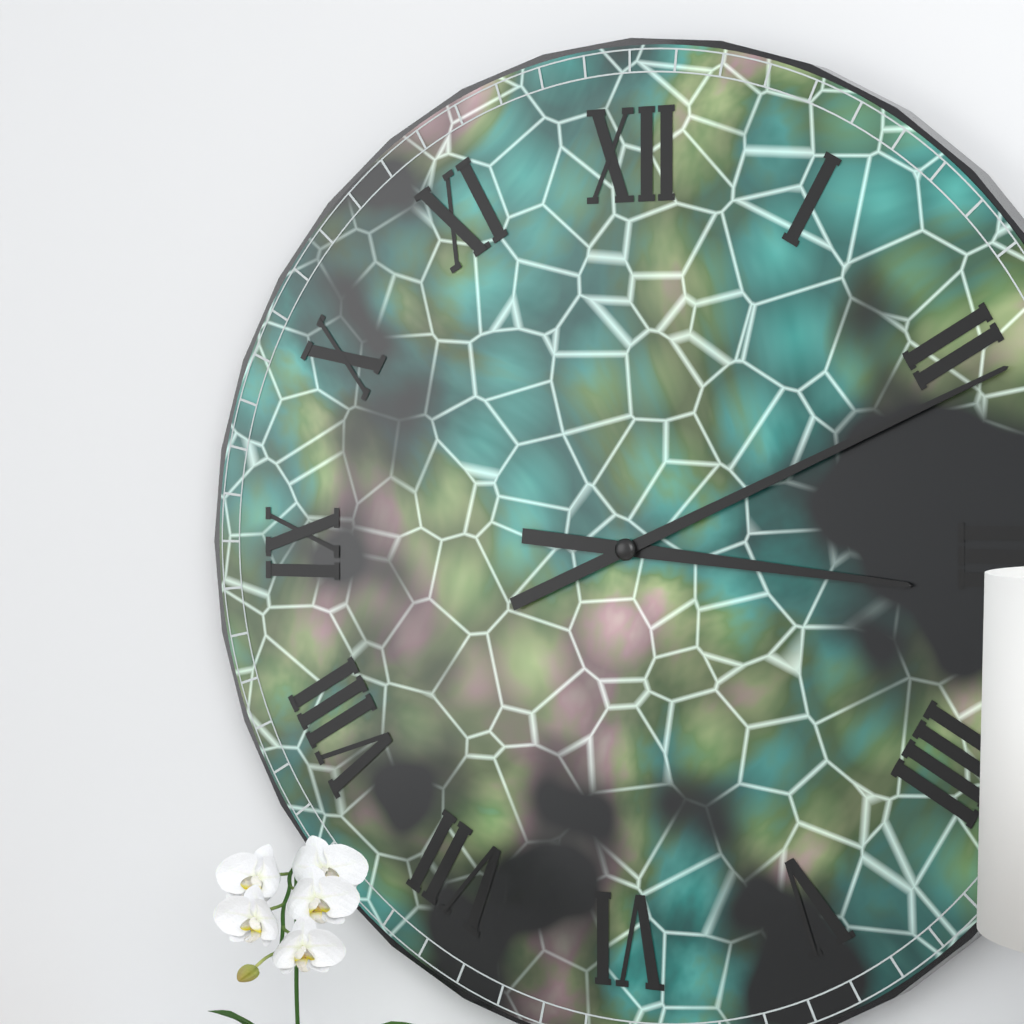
**3:11**
